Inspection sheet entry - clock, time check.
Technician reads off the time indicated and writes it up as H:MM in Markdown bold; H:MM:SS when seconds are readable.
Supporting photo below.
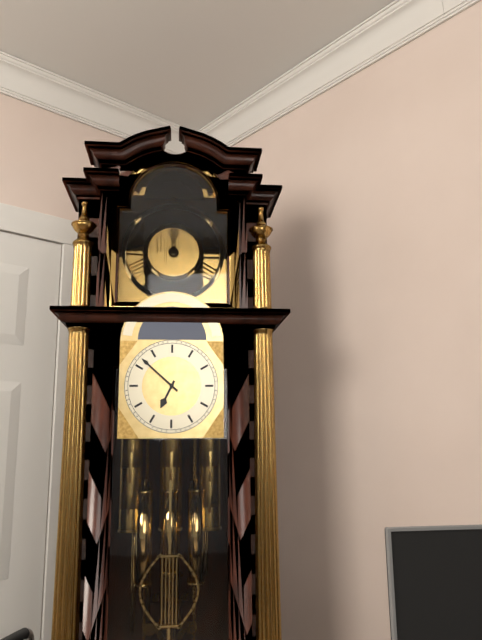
**6:52**
